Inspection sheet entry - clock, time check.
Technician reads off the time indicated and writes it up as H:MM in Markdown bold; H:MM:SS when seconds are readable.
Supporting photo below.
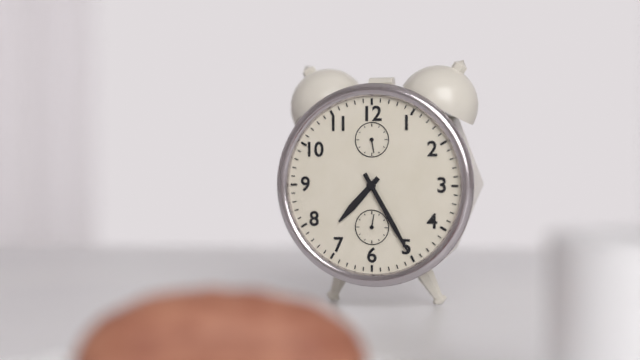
**7:25**
